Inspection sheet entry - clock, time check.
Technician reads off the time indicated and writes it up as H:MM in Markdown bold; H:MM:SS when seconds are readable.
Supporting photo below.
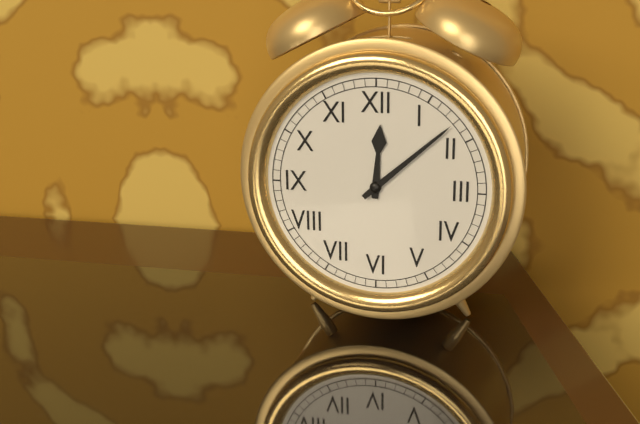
**12:08**
